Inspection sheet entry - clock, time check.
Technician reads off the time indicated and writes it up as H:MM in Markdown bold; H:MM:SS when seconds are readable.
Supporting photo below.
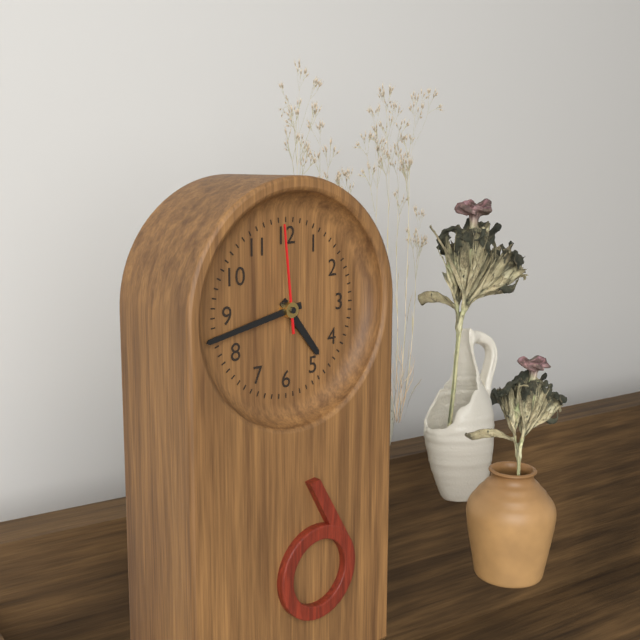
**4:43:59**
